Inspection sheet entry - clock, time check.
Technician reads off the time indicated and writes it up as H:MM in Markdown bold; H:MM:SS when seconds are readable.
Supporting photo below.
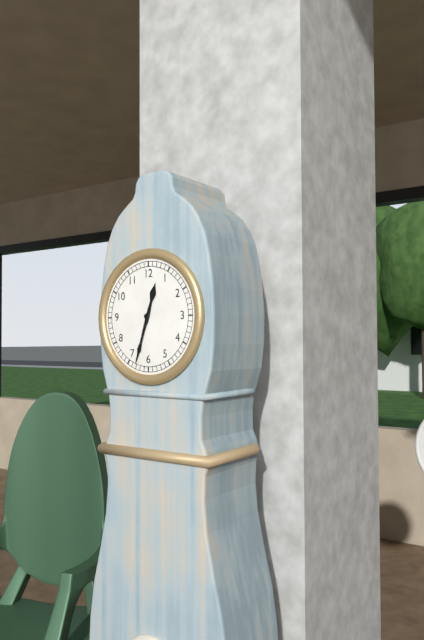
**12:33**
